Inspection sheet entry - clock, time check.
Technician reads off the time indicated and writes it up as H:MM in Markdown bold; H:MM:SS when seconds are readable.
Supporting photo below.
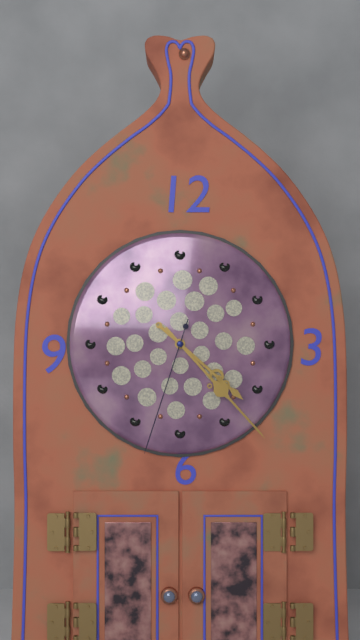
**4:23:33**
